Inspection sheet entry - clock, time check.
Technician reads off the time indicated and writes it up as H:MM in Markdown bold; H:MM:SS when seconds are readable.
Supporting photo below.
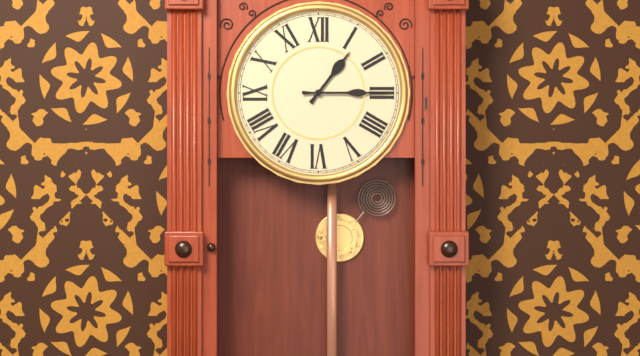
**1:15**
